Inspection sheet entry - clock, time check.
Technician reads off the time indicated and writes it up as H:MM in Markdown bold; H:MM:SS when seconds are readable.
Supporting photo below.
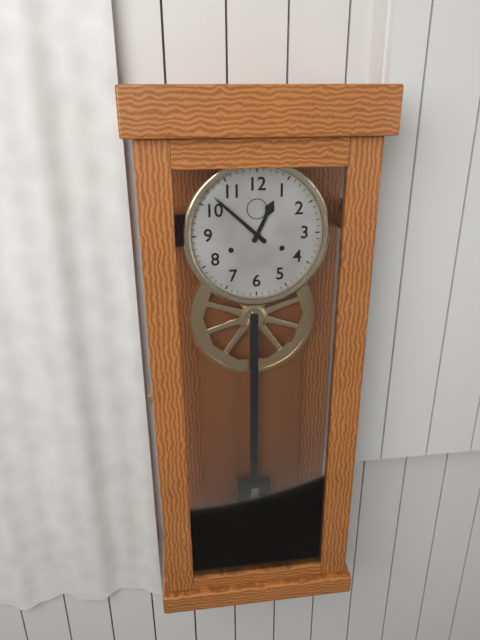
**12:52**
